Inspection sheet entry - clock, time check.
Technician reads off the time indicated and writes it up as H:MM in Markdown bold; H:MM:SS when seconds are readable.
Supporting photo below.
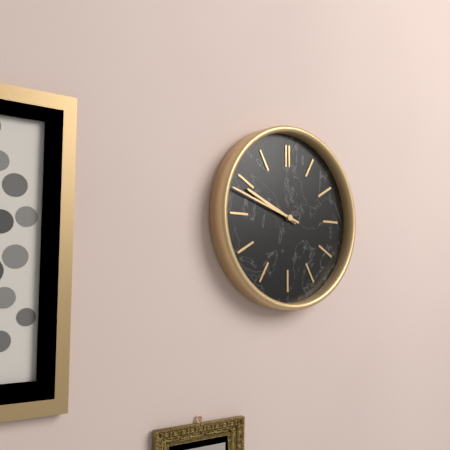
**9:48**
